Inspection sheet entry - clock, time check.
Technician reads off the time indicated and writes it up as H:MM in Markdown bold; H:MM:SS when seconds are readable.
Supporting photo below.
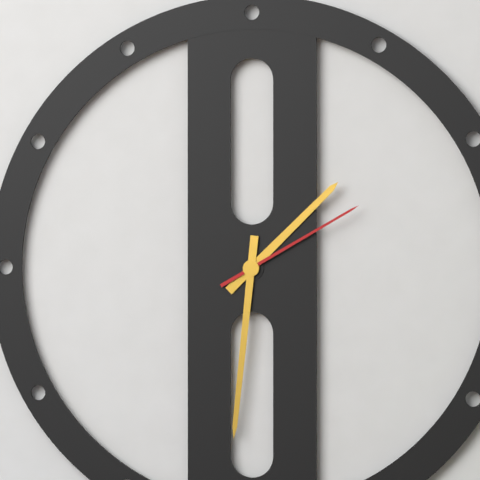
**1:31:10**
